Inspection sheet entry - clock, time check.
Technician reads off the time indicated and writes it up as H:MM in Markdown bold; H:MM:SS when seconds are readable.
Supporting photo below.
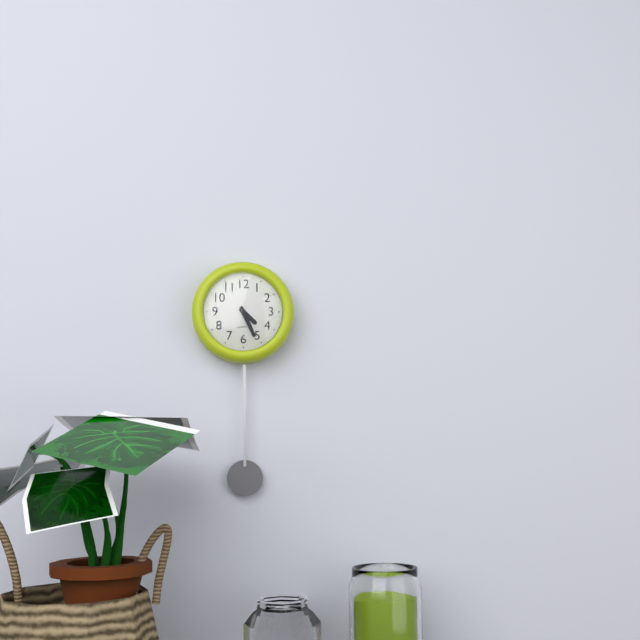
**4:26**
